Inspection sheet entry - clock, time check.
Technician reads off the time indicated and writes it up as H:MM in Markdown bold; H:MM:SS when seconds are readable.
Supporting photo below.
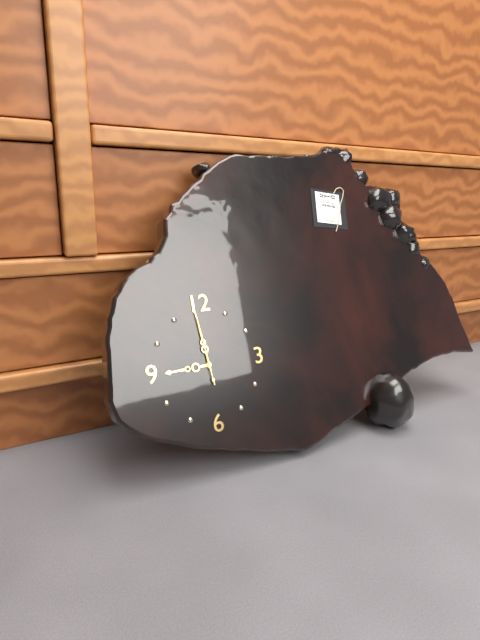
**8:59:59**
